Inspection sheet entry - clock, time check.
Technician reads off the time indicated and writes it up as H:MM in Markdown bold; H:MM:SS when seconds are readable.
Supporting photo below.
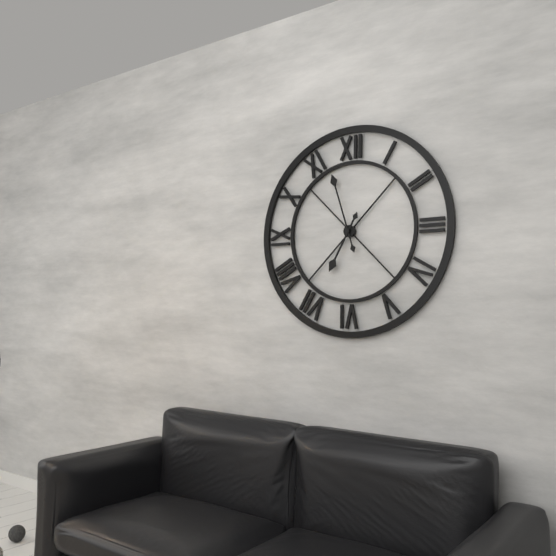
**6:57**
